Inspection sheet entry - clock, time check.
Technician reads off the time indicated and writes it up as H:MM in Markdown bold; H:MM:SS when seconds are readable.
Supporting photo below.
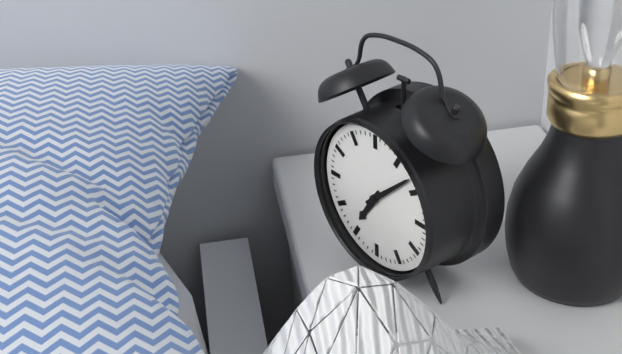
**7:08**
